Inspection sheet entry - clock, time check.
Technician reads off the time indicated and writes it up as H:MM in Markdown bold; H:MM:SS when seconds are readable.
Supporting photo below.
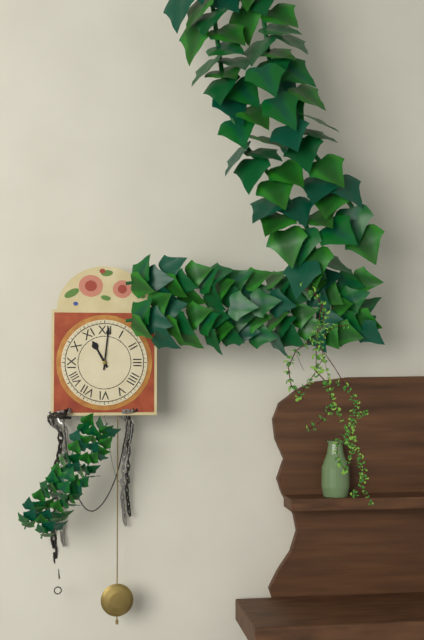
**11:01**
